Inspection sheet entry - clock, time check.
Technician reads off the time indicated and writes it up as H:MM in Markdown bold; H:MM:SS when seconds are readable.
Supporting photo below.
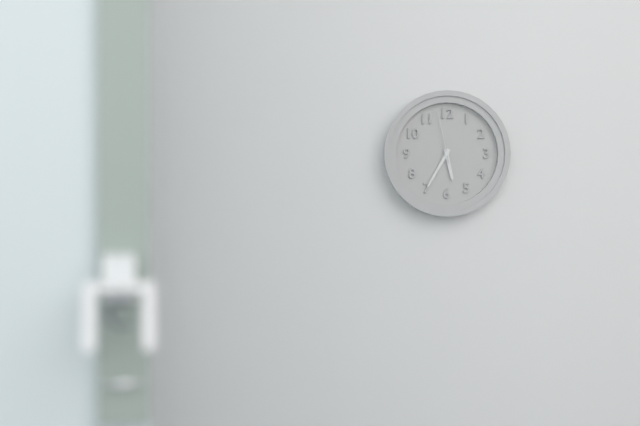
**5:35:58**
